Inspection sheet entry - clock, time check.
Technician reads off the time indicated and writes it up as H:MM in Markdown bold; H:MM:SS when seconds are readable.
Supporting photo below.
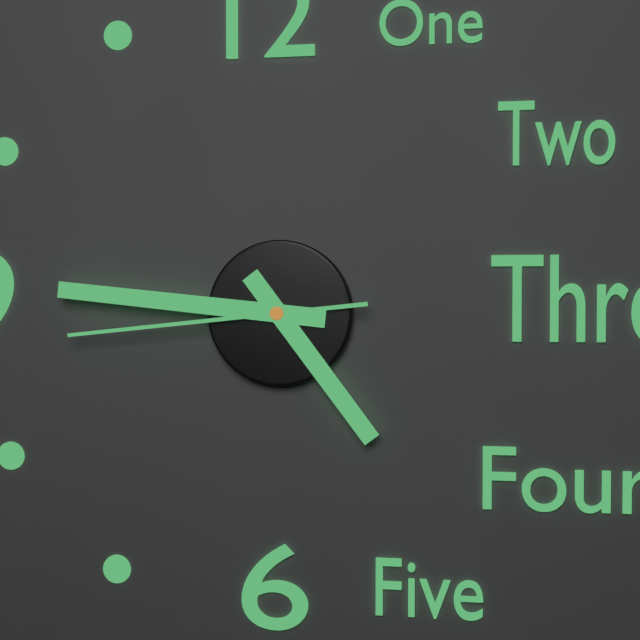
**4:46:44**
